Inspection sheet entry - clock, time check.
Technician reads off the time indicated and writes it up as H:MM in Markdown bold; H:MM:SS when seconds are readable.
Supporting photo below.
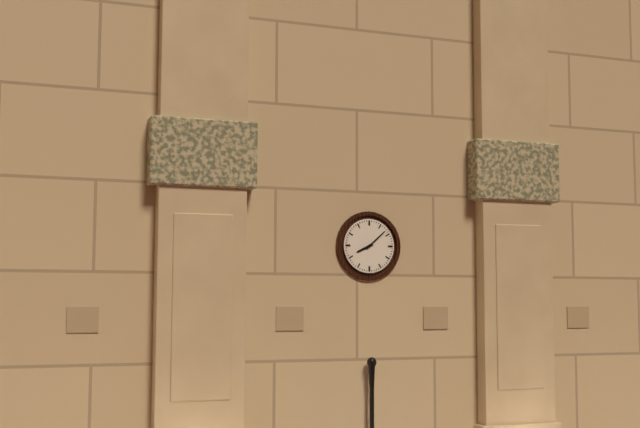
**8:08**
